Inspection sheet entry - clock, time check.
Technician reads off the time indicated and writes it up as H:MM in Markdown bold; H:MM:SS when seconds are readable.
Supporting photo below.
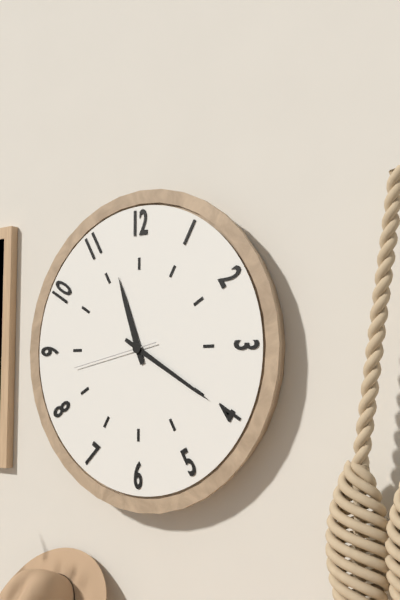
**11:20:43**
